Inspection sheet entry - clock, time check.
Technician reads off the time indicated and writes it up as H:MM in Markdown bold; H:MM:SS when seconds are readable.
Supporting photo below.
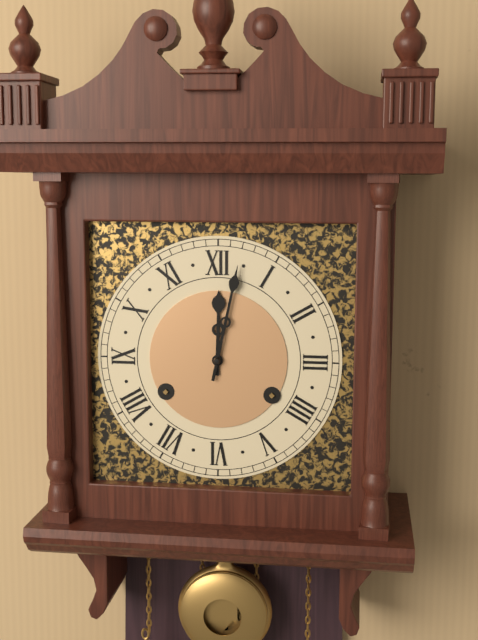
**12:02**
